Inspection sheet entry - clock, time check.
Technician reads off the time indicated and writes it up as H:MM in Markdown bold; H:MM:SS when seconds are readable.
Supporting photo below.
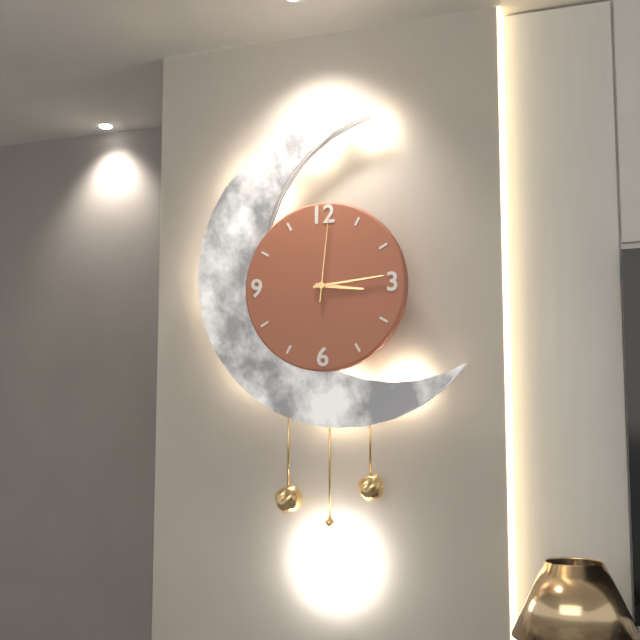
**3:14:01**
